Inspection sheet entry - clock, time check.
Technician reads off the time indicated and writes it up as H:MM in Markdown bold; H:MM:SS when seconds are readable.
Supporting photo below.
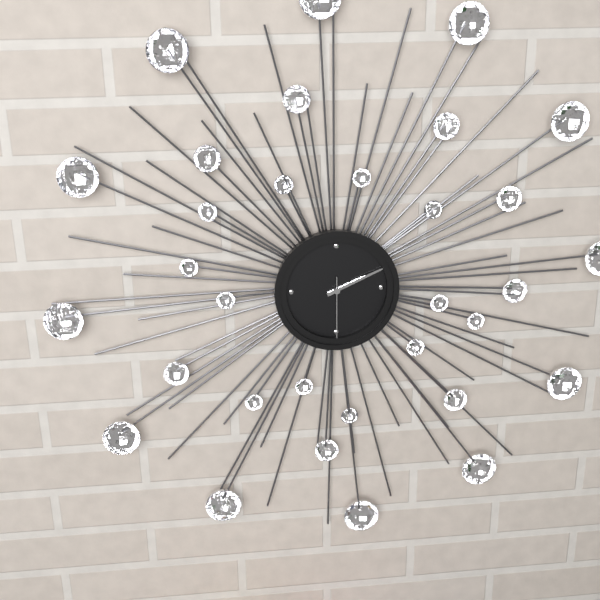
**2:11:30**
